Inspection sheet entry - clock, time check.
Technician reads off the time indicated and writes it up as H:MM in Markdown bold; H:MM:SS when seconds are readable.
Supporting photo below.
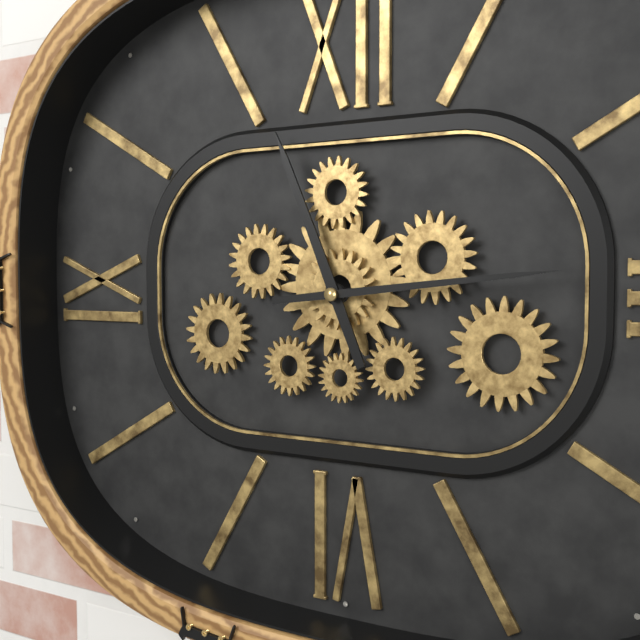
**11:14**
